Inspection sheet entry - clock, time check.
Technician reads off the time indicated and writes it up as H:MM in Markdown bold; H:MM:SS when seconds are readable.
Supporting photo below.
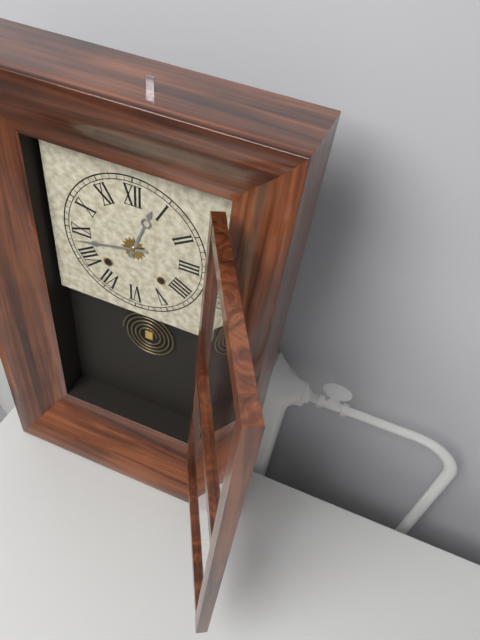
**12:43**
